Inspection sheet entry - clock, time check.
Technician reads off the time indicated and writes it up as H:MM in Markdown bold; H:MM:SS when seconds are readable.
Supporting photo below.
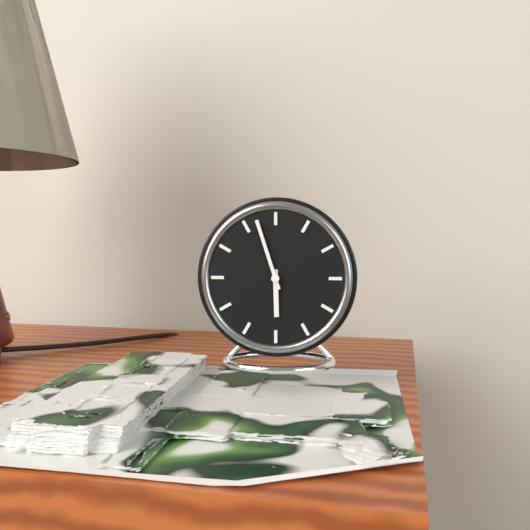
**5:57**
